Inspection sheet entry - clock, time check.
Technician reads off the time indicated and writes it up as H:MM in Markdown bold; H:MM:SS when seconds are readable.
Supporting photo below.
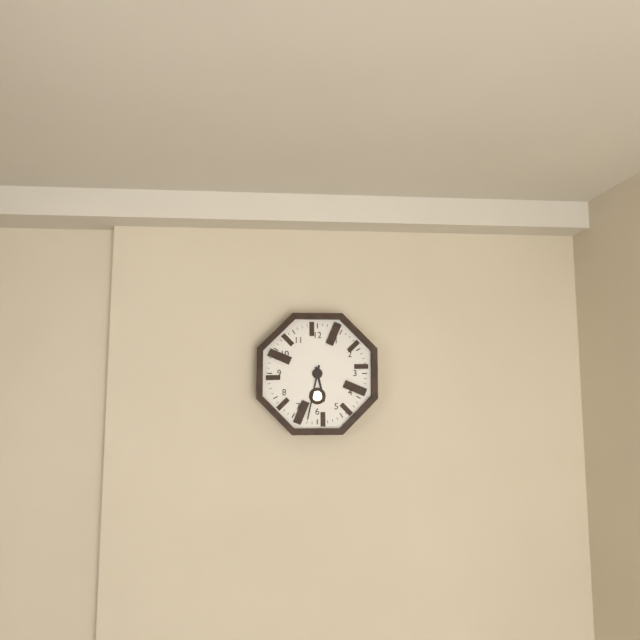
**5:32**
